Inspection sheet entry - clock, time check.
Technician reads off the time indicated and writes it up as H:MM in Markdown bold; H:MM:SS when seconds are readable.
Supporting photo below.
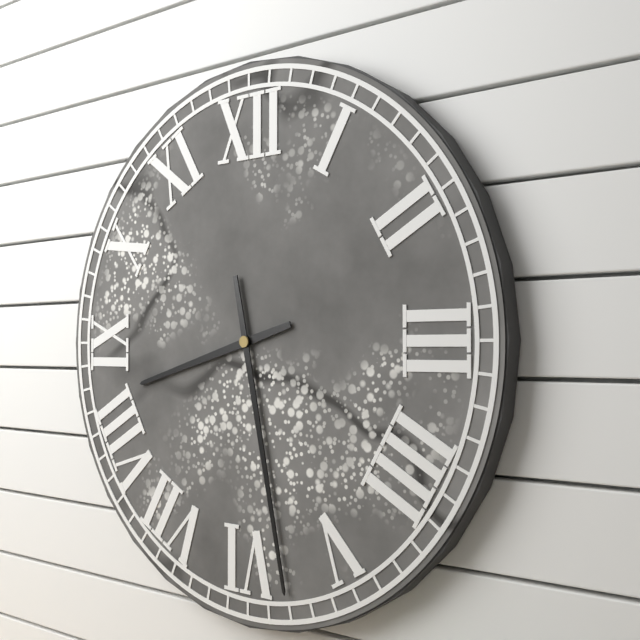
**8:28**
